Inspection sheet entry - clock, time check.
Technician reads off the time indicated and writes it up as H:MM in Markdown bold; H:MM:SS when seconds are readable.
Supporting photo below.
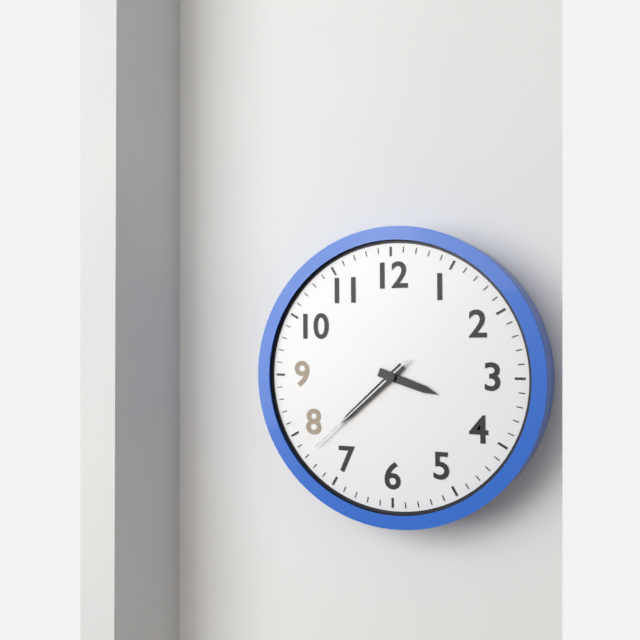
**3:38:38**
